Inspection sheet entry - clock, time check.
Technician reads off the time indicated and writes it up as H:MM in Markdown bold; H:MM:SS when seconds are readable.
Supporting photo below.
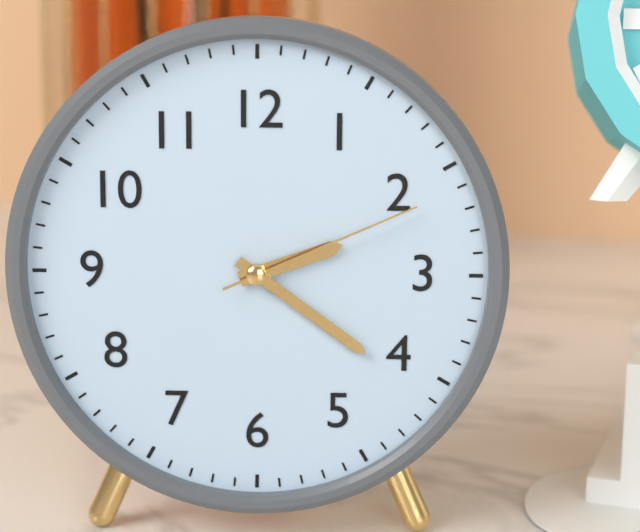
**2:21:11**
